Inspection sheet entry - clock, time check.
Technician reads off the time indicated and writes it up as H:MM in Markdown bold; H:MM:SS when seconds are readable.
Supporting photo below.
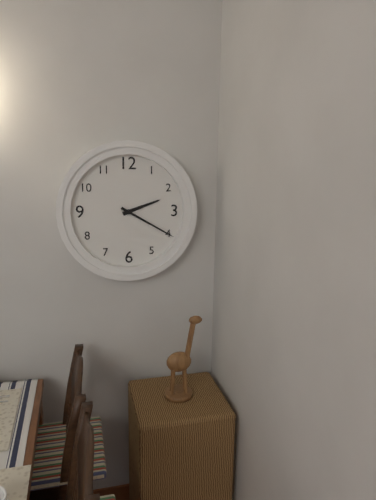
**2:20**
